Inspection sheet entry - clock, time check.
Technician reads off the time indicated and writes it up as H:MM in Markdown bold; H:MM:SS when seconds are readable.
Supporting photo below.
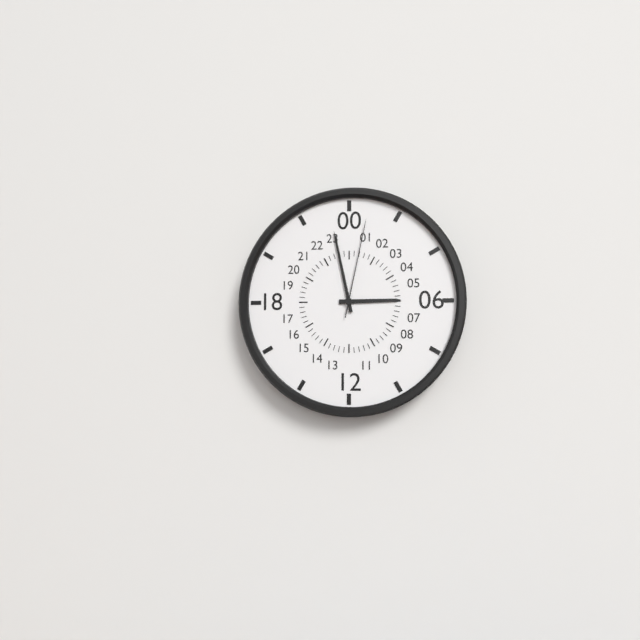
**2:58:02**
